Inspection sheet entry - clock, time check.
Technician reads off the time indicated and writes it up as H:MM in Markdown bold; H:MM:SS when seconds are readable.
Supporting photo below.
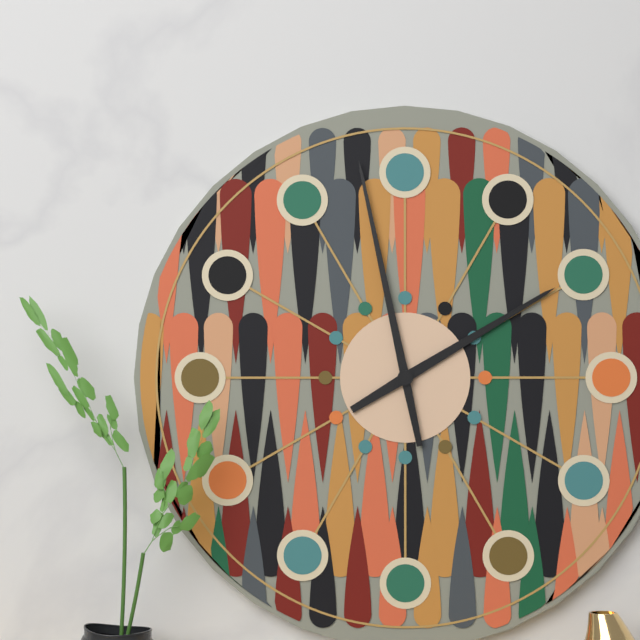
**1:58**
